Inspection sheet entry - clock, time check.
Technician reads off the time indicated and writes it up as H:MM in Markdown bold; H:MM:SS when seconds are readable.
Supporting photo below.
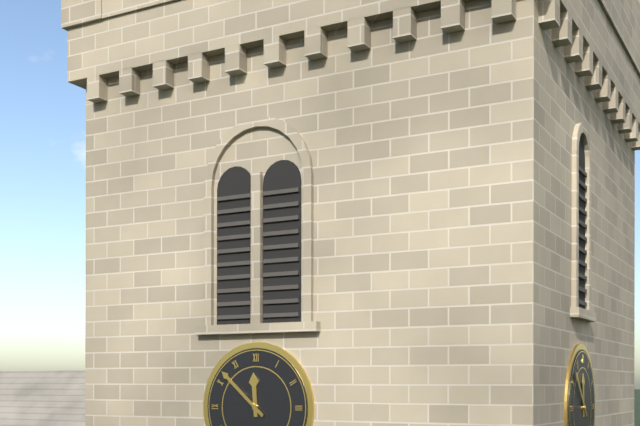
**11:52**
